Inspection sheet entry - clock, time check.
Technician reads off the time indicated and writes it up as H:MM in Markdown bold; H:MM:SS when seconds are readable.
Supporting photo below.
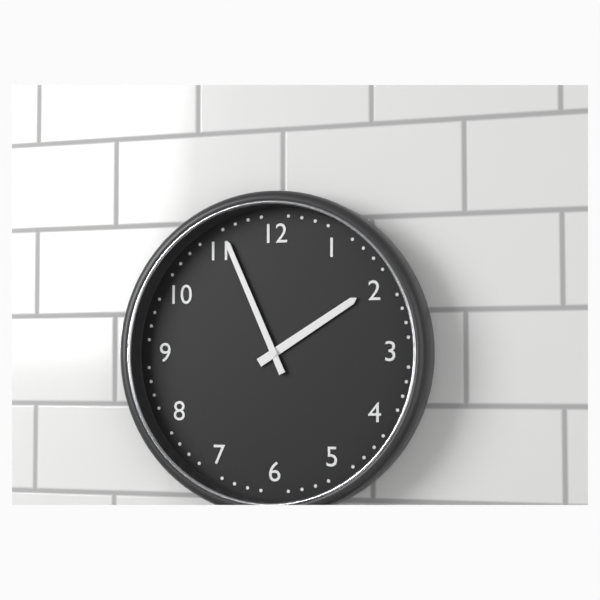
**1:56**
